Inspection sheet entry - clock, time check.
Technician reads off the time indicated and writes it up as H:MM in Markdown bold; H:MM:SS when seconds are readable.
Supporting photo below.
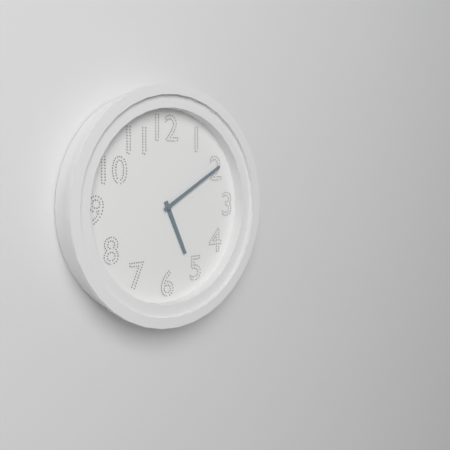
**5:10**
